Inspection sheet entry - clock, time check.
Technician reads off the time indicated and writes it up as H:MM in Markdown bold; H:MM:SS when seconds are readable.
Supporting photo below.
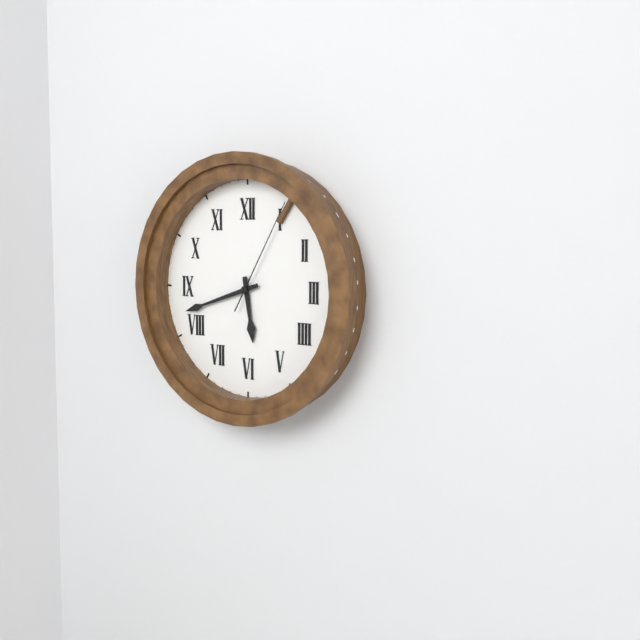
**5:42:05**
